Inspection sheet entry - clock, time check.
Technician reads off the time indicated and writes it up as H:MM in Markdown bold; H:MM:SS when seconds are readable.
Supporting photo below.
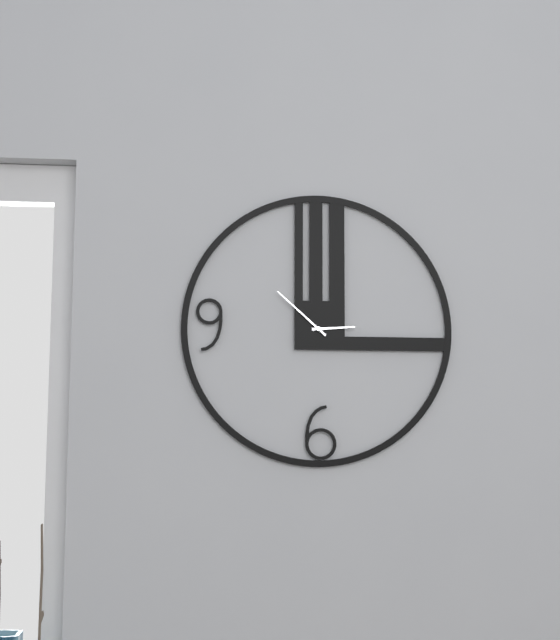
**2:52**
